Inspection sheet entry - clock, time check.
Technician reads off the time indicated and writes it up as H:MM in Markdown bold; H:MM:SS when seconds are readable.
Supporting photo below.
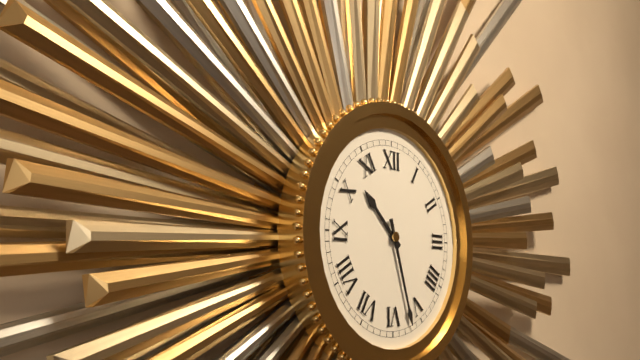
**10:27**
